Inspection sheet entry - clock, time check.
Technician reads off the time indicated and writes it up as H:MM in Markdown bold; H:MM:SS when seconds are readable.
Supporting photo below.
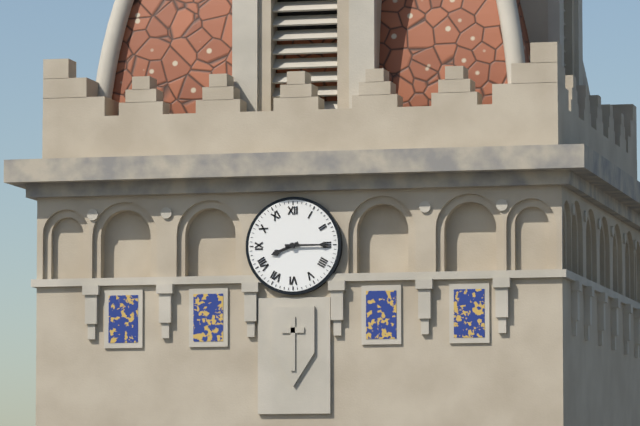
**8:15**
